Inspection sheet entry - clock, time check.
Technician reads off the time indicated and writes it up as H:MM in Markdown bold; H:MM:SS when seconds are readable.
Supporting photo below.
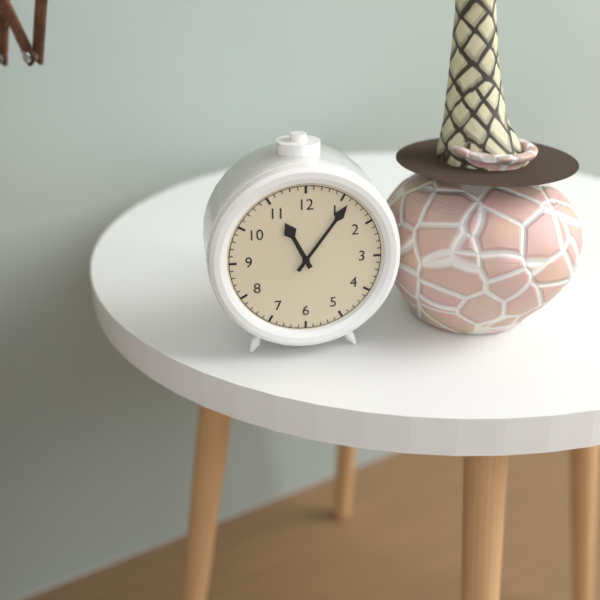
**11:06**
